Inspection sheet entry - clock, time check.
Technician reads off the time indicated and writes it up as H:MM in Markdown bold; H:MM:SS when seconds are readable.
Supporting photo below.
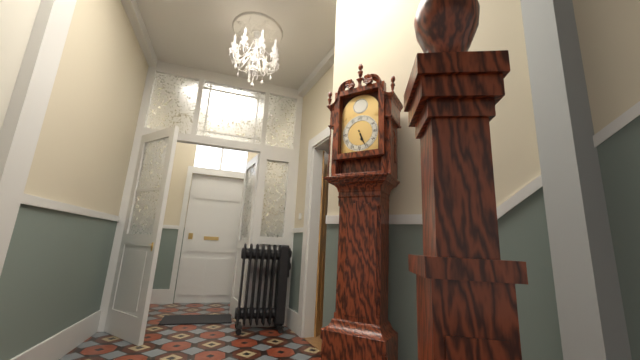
**5:26**
